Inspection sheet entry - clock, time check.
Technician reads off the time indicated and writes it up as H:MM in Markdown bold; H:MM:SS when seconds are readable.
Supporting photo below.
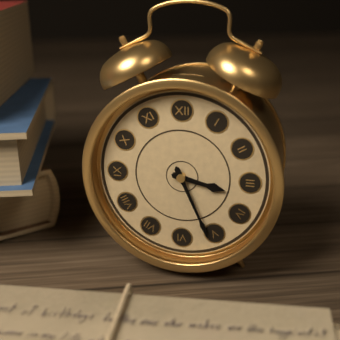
**3:26**
